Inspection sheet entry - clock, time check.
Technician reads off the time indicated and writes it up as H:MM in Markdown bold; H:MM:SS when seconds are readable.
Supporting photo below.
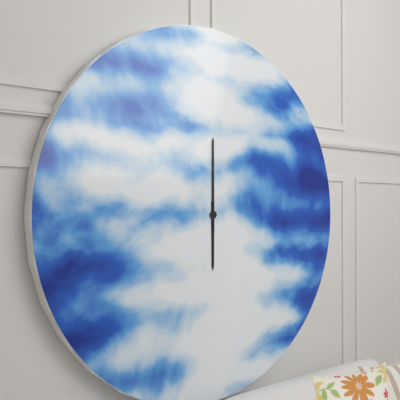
**6:00**
